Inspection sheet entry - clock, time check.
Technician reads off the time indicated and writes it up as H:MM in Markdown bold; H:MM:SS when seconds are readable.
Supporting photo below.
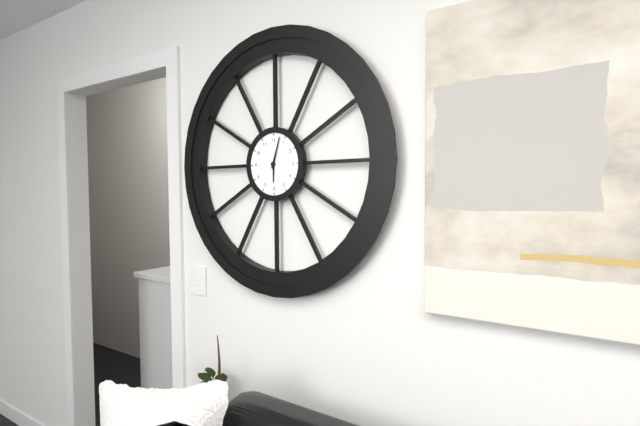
**6:03**
